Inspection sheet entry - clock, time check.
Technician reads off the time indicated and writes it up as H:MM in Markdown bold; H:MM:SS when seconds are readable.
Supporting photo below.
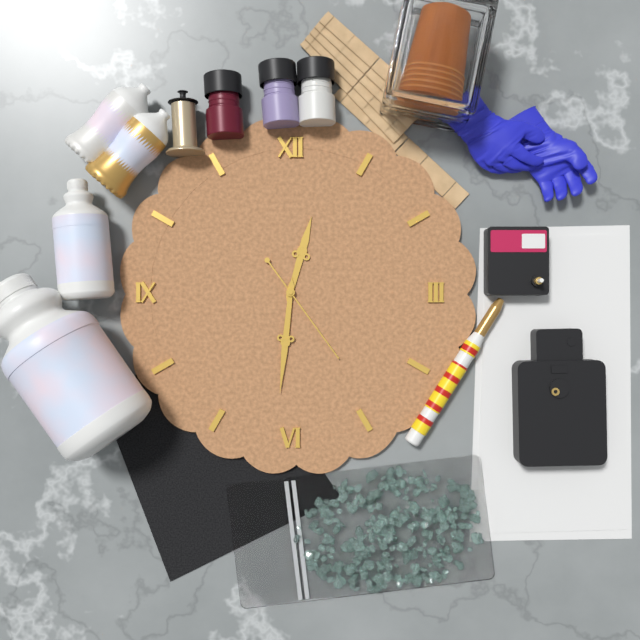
**12:31:24**
